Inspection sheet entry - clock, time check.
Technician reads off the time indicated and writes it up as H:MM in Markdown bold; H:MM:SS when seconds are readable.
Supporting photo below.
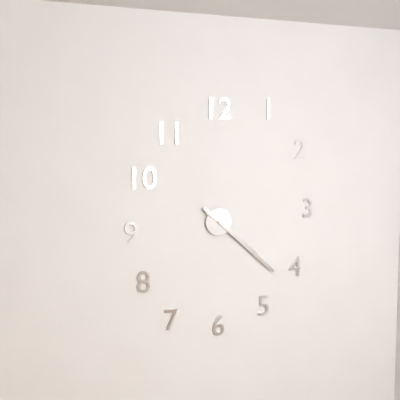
**4:22**
